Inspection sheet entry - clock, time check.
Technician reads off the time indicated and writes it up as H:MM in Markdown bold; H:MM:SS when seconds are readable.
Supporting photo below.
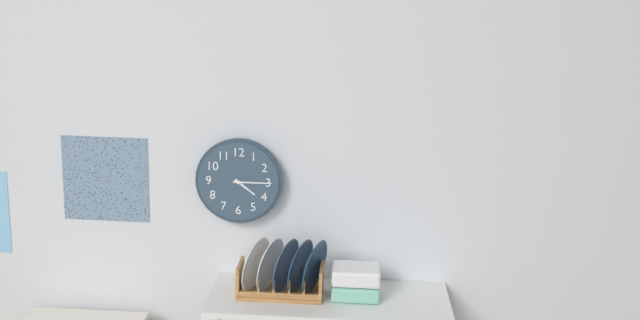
**4:15**
